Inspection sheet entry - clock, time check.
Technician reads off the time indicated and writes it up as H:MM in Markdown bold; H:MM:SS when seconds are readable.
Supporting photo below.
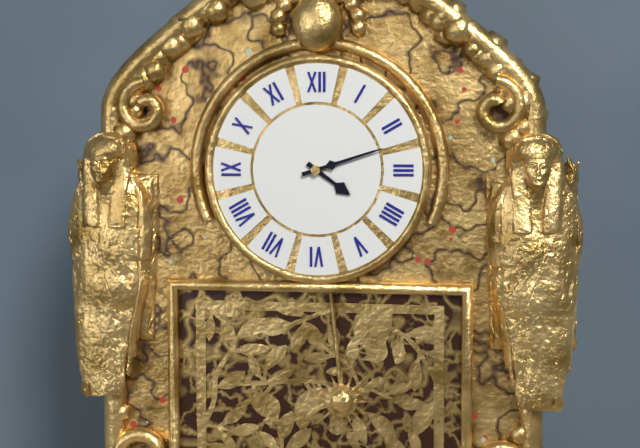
**4:12**
